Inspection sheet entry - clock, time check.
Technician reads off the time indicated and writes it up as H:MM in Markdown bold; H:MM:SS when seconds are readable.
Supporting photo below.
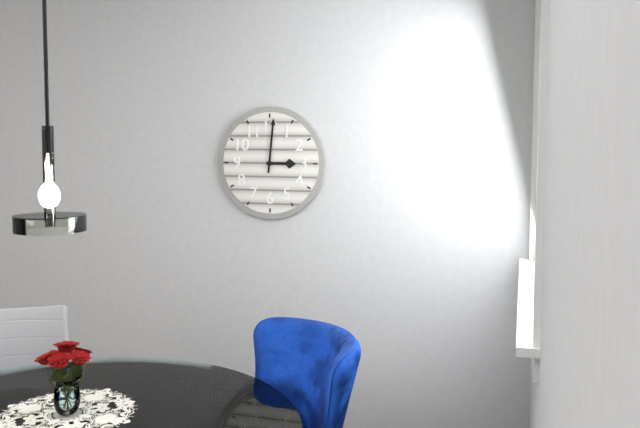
**3:01**
